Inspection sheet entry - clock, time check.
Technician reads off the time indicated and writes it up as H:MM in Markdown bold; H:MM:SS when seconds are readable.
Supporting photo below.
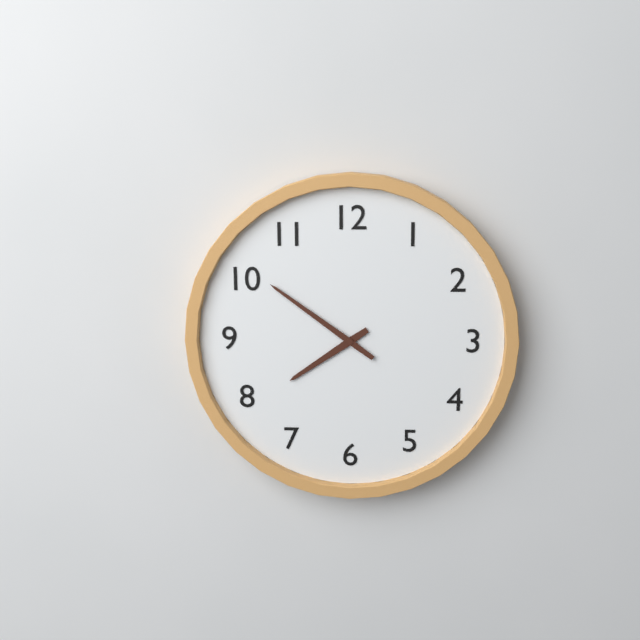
**7:51**
